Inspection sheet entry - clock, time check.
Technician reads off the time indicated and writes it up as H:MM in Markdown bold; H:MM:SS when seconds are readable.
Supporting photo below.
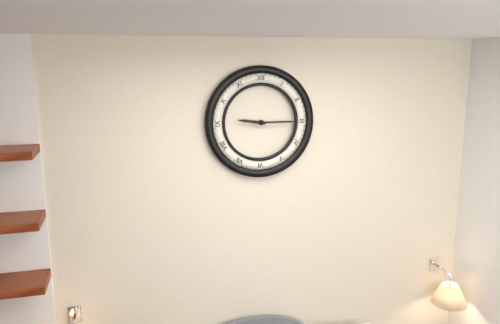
**9:15**
